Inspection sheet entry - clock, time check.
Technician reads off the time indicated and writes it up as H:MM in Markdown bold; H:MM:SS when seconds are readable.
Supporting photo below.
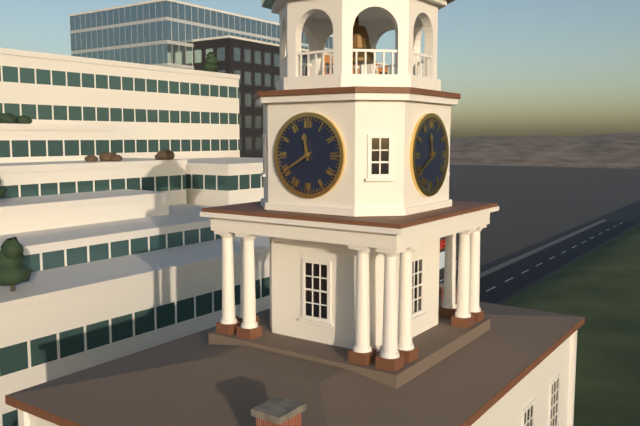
**11:40**
